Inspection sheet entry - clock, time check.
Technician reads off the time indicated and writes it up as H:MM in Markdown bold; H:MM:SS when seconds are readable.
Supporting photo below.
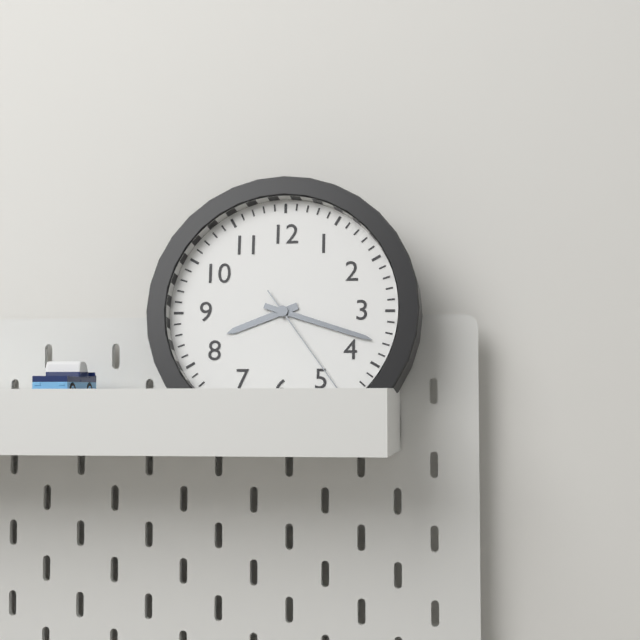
**8:18:24**
